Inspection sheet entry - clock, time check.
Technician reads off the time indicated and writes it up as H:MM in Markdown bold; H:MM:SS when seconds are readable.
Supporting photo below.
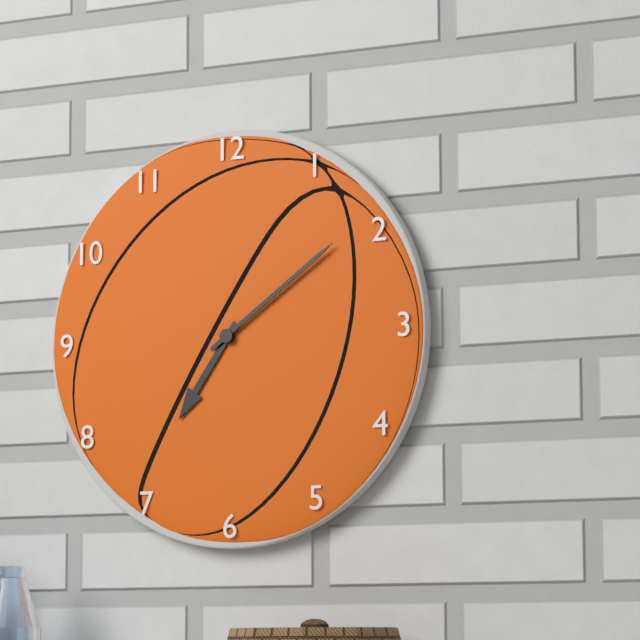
**7:09**
